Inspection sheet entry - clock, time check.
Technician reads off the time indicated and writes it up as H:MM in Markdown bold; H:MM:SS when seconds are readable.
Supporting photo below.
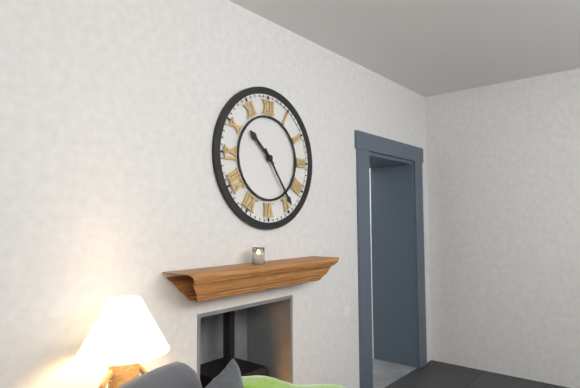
**10:24**
